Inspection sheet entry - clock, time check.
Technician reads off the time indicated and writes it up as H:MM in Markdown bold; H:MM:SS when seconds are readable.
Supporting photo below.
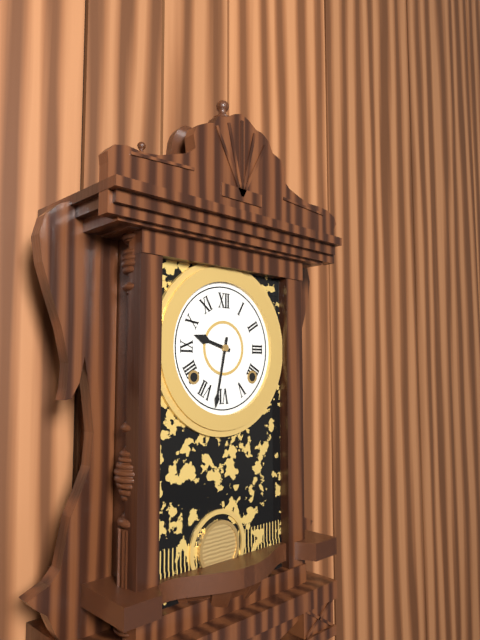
**9:32**
